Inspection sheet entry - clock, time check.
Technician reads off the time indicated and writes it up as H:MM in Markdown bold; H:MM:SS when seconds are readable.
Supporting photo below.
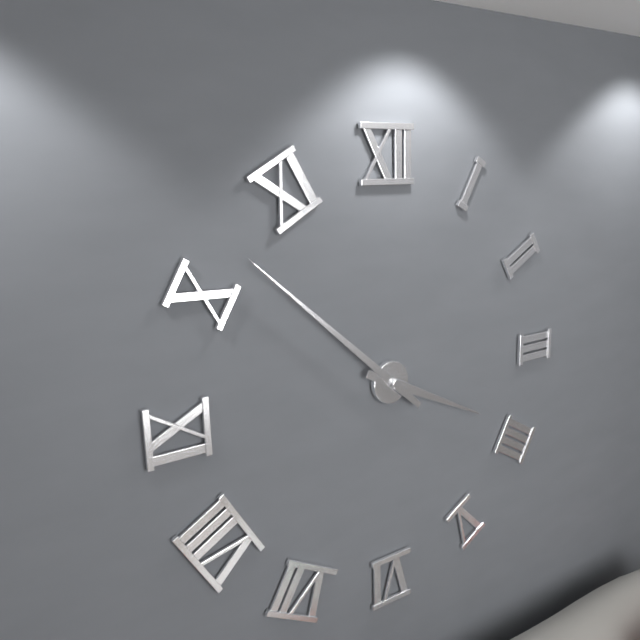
**3:52**
